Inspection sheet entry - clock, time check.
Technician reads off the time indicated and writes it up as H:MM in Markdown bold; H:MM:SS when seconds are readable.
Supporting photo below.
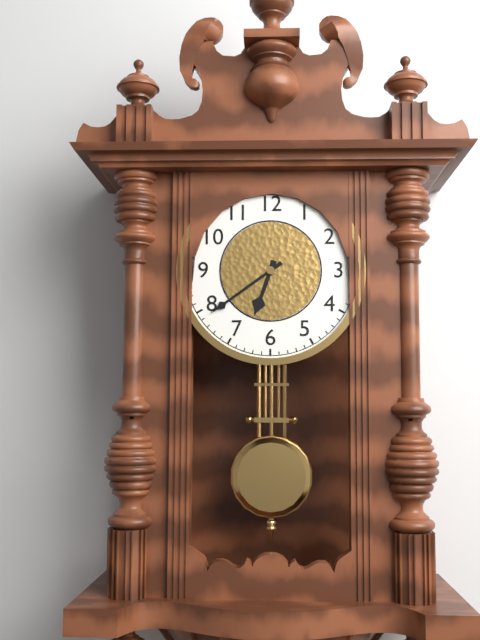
**6:39**
